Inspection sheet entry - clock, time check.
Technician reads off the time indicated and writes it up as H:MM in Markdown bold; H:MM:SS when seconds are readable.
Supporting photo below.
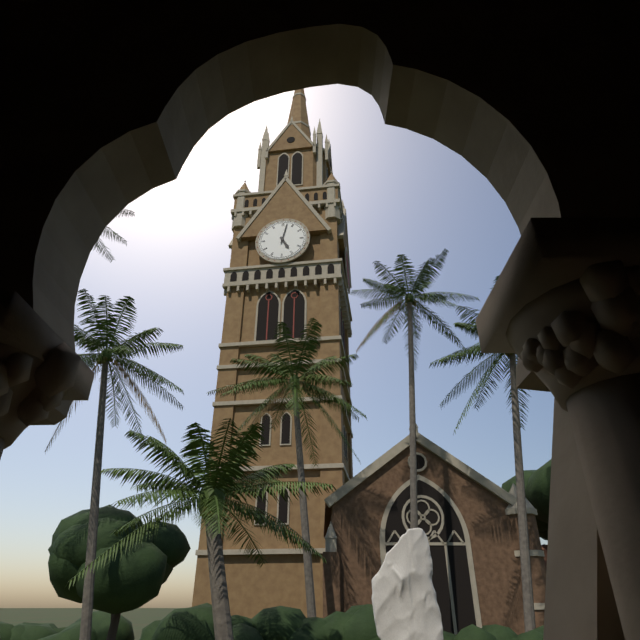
**5:02**
